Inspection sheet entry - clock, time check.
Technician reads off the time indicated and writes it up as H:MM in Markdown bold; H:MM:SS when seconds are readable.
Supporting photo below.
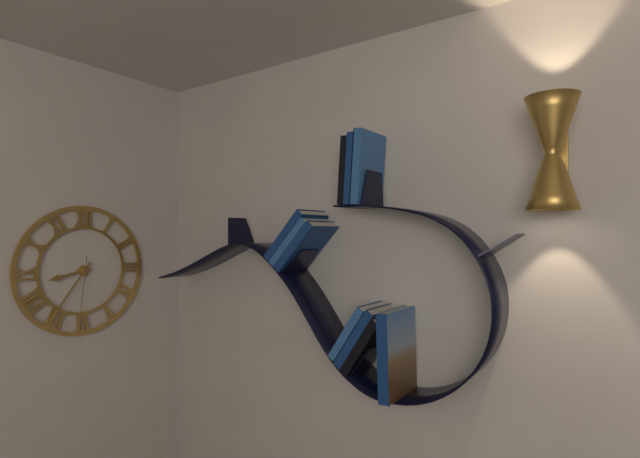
**8:36:31**
